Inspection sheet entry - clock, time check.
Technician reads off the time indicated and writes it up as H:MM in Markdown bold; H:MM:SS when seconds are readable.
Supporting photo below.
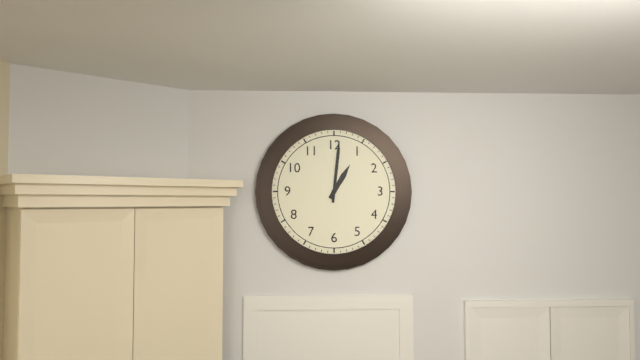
**1:01**
